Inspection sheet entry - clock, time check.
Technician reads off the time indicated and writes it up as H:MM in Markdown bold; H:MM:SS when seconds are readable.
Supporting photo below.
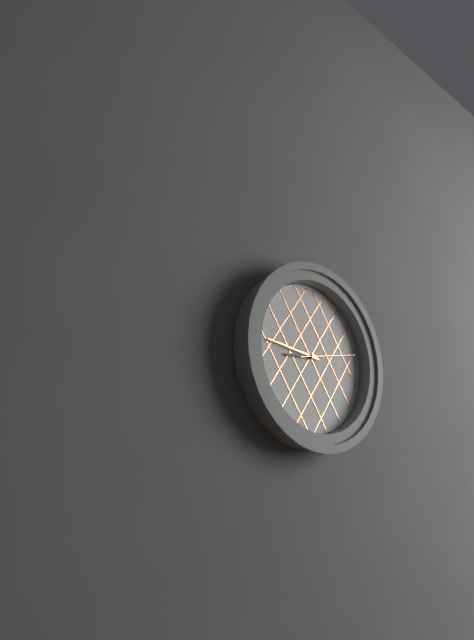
**8:46:13**
